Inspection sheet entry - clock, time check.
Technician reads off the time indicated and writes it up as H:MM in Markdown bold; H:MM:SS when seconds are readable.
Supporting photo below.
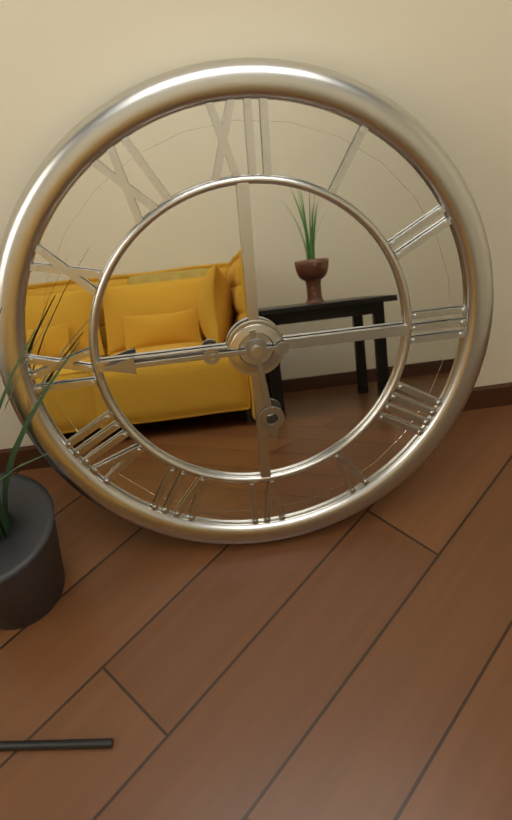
**5:45**
